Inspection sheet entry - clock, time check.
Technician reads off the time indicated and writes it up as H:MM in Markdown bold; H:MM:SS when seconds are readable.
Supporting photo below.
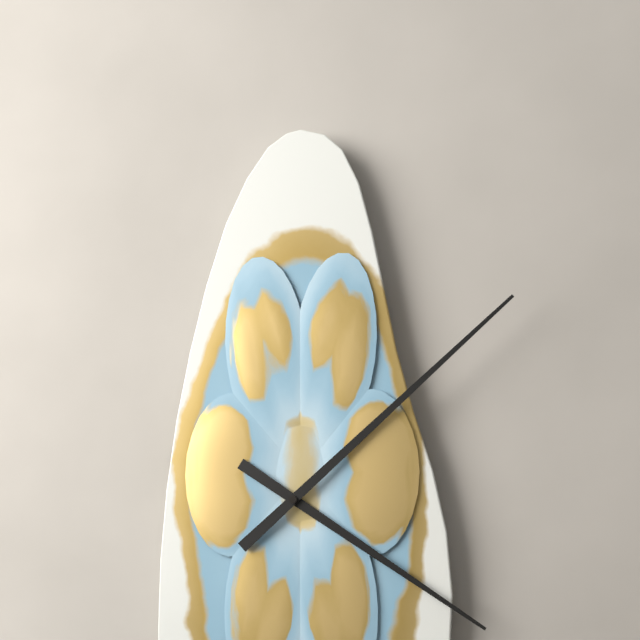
**4:08**
